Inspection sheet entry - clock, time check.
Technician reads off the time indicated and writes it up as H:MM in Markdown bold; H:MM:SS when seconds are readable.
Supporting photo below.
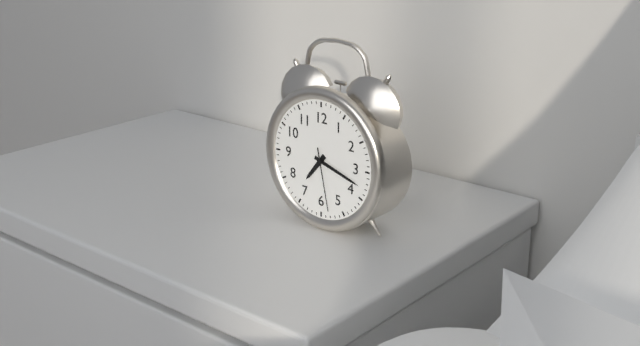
**7:18:28**
